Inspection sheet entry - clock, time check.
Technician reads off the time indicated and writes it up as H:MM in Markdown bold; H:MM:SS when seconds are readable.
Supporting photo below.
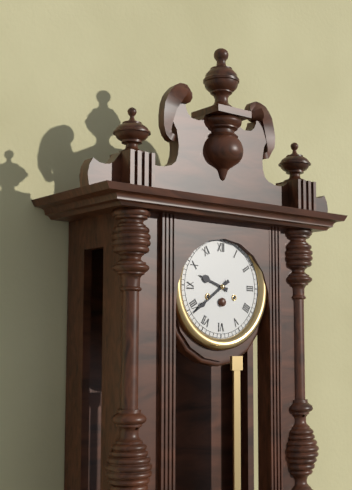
**9:39**
